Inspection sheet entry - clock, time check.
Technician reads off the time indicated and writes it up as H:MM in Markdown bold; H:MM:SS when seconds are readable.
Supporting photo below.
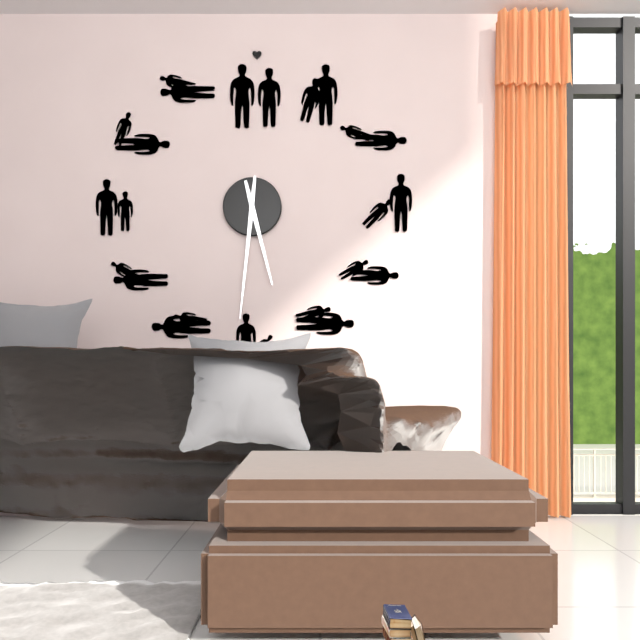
**5:31**
